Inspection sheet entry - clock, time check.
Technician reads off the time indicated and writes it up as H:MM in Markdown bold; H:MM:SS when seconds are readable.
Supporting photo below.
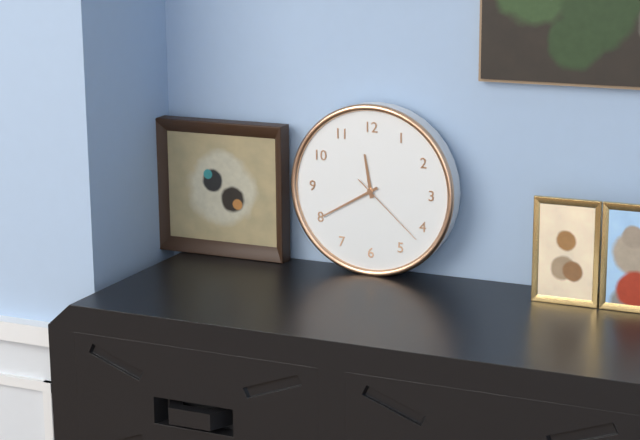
**11:40:22**
